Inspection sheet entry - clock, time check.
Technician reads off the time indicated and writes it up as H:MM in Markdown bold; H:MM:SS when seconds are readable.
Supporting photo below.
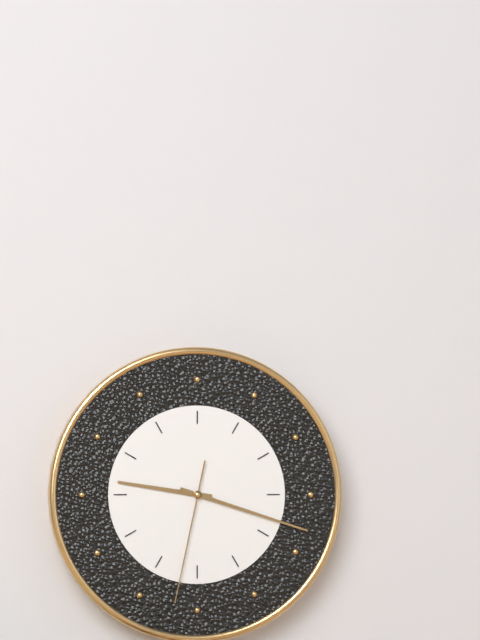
**9:18:32**
